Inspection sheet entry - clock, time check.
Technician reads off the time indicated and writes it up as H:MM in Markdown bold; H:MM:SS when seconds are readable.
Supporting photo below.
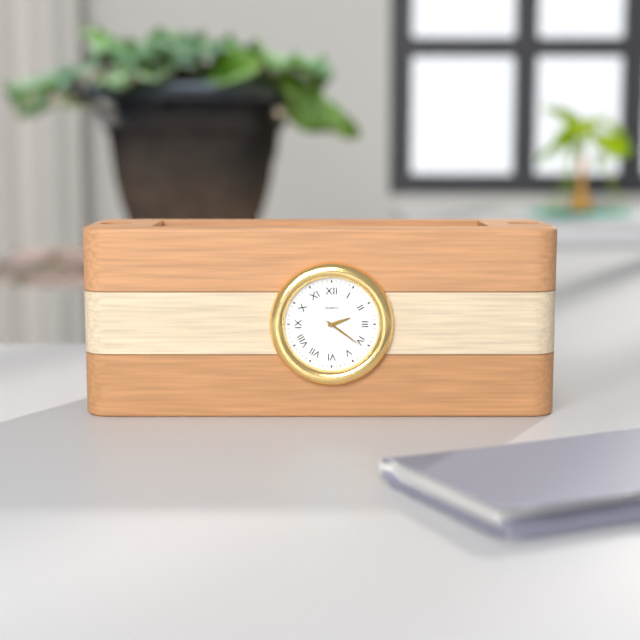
**2:21**
